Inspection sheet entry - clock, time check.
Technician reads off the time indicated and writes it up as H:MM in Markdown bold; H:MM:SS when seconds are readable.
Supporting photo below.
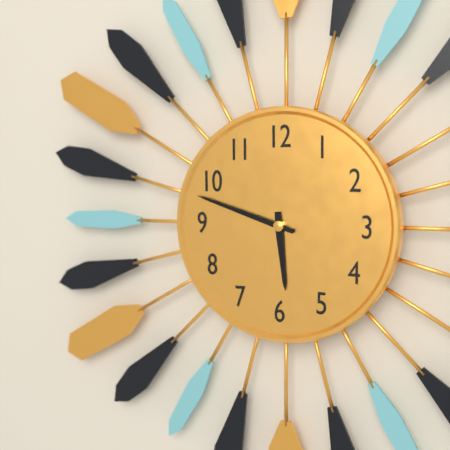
**5:48**
